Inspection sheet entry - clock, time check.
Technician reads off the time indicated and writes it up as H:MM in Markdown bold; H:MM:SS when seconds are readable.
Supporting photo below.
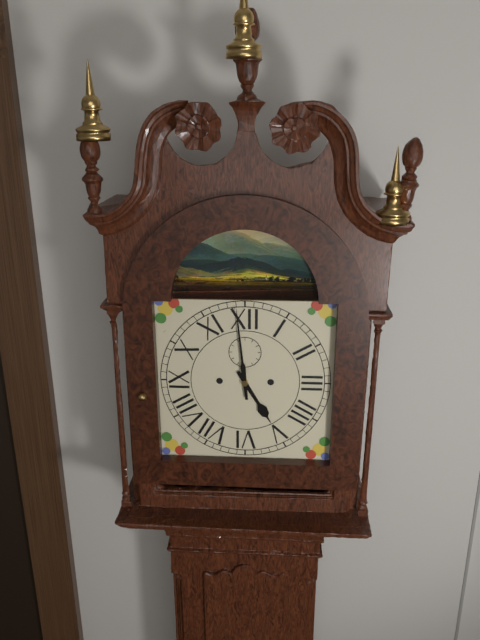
**4:59**
